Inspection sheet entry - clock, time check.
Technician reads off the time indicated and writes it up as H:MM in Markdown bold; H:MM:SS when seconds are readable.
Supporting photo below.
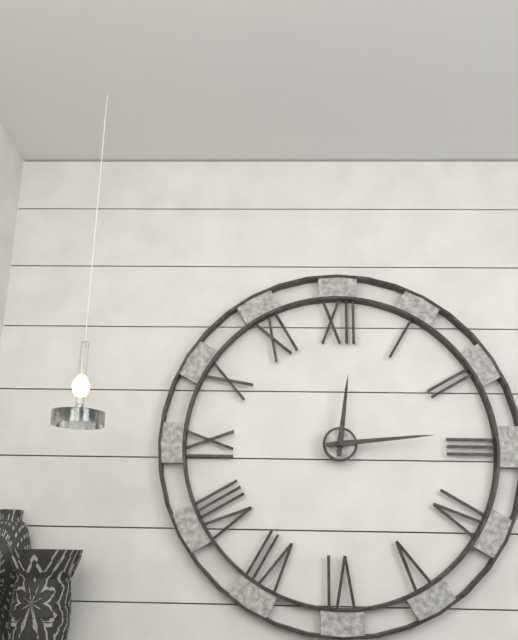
**12:14**
